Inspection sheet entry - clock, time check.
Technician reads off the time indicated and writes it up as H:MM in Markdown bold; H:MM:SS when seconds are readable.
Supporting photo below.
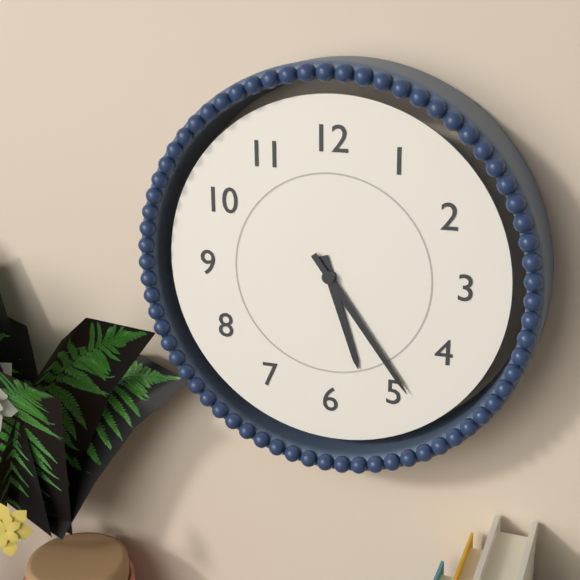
**5:24**
